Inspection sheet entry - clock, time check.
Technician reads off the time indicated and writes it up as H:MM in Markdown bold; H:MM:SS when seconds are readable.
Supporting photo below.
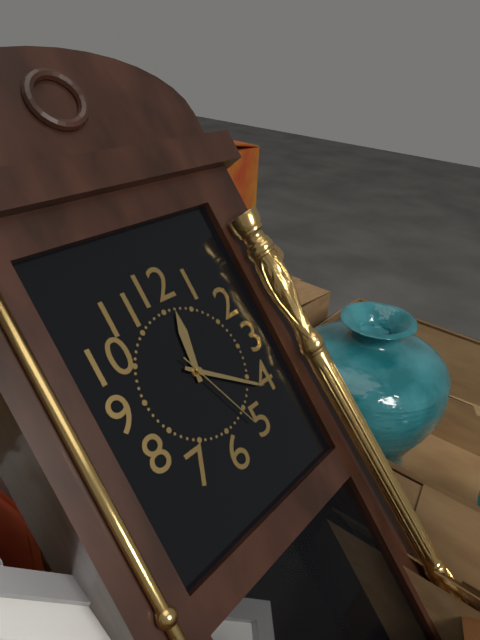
**12:21:26**
